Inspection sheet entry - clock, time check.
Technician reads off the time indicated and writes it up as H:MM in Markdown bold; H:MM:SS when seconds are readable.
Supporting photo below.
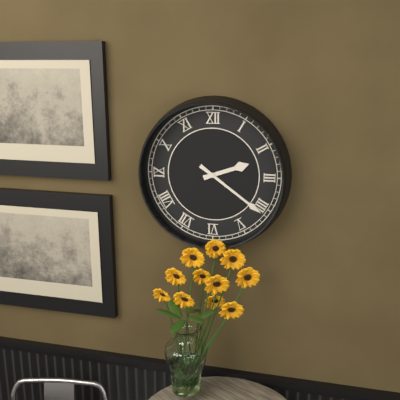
**2:21**
